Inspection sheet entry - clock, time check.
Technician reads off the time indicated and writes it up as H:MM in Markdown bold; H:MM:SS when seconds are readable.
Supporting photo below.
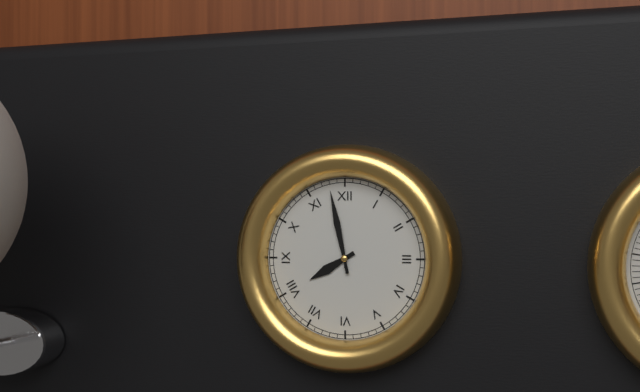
**7:58**
